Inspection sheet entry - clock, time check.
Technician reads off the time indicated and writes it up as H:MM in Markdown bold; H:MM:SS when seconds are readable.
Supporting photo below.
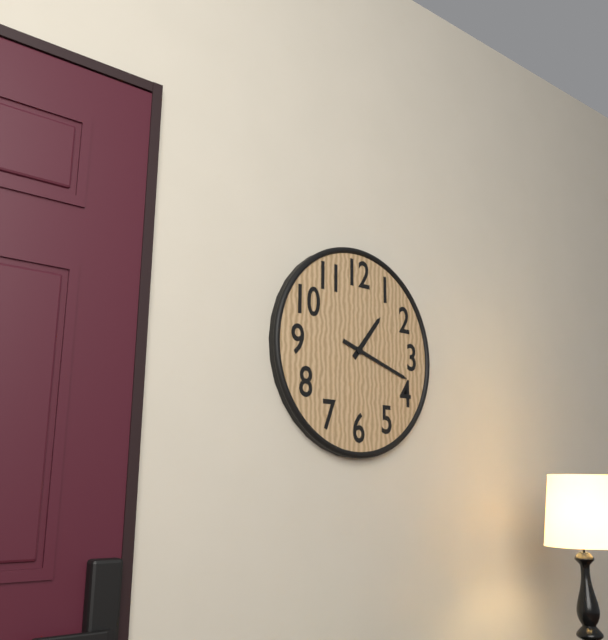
**1:18**
